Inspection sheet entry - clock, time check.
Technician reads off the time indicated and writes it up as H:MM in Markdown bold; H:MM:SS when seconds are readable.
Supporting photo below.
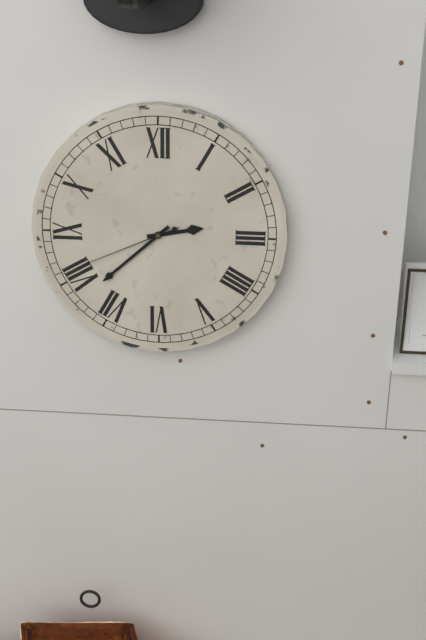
**2:38:41**
